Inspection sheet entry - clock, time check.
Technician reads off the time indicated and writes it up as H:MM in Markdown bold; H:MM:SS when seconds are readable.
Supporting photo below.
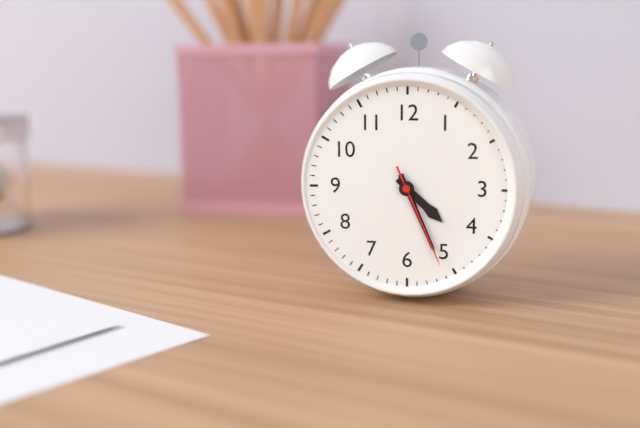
**4:26:26**
